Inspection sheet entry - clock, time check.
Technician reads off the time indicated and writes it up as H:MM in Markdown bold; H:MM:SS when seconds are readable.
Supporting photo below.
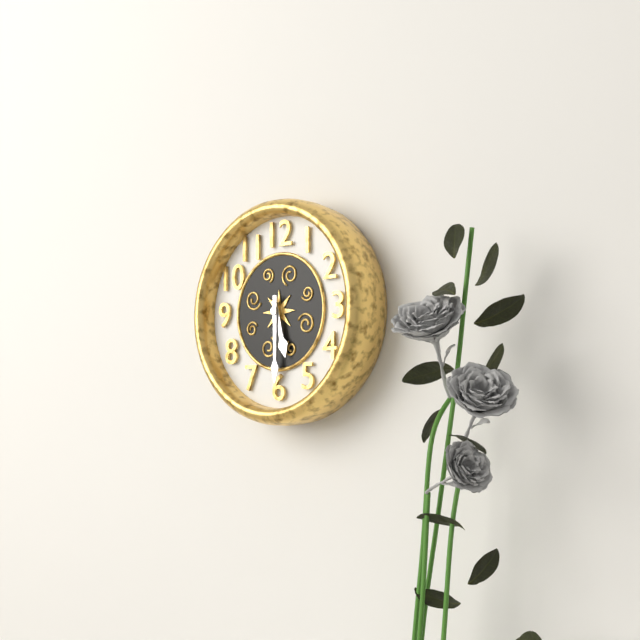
**5:30**
